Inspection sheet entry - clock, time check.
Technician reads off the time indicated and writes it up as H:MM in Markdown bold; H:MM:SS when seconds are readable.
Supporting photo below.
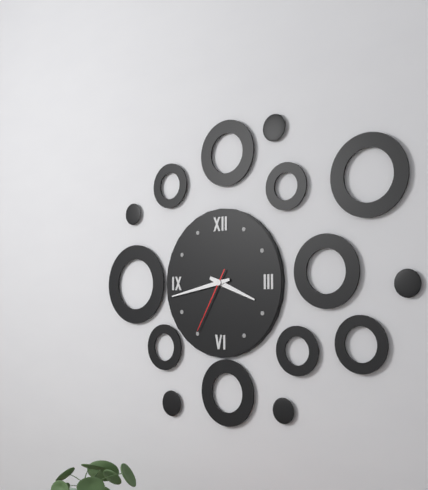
**3:43:35**
